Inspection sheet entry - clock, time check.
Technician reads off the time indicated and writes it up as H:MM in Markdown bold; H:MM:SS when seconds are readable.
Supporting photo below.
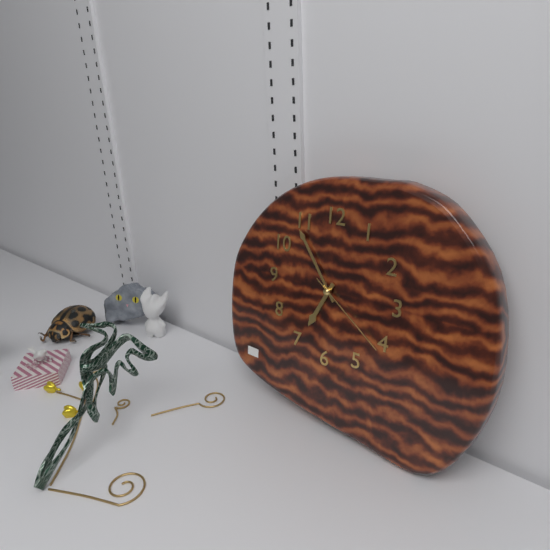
**6:54:21**
